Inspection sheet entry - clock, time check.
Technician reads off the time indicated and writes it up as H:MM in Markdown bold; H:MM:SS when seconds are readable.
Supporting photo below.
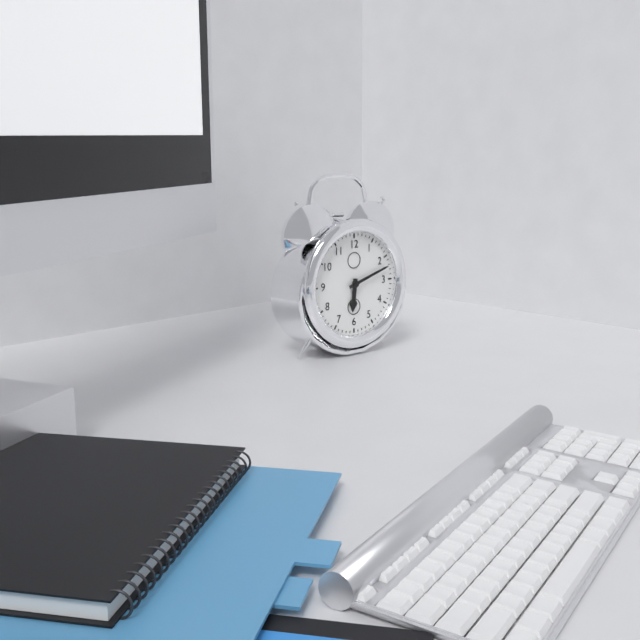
**6:12**
